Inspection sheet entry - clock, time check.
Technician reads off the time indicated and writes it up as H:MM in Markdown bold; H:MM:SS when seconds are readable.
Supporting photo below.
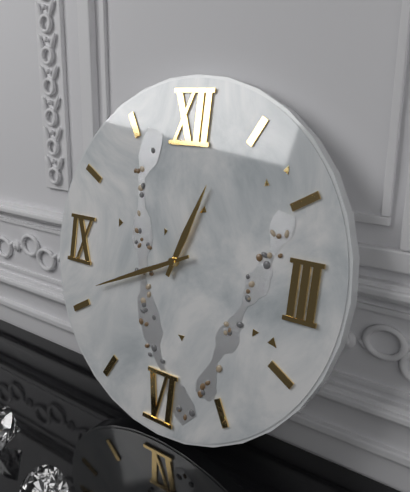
**12:41**
